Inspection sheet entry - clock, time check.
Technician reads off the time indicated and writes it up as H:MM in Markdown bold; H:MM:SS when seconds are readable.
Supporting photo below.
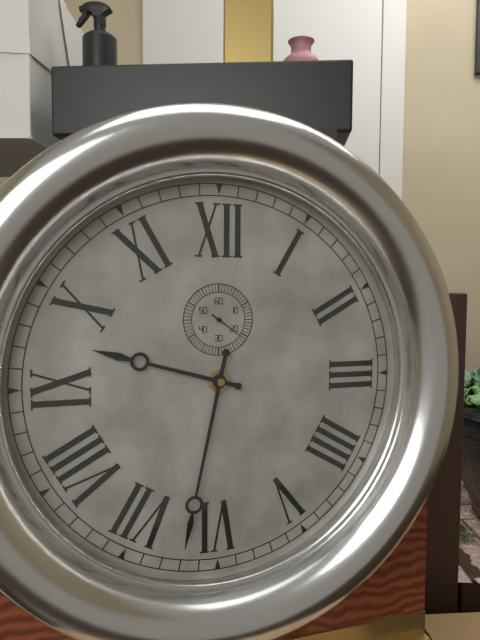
**9:32**
